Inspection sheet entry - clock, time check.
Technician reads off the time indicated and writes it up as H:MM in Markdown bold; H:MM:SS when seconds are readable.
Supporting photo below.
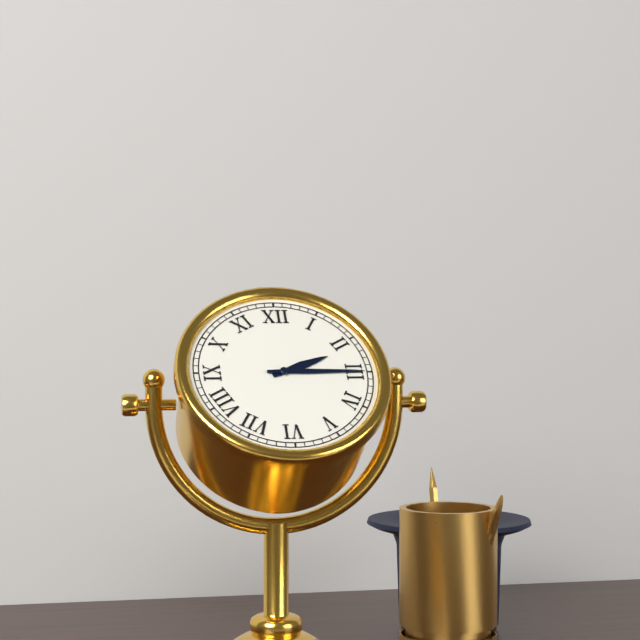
**2:15**
